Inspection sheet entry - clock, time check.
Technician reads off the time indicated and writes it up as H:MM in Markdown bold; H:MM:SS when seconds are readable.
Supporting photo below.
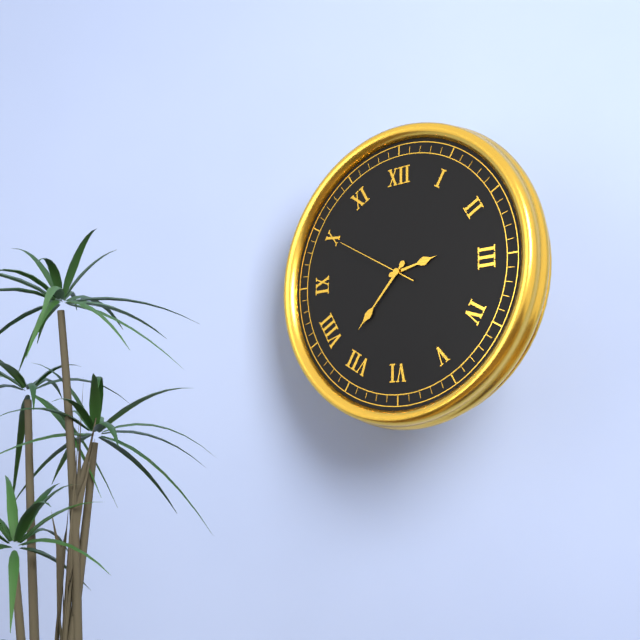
**2:37:50**
